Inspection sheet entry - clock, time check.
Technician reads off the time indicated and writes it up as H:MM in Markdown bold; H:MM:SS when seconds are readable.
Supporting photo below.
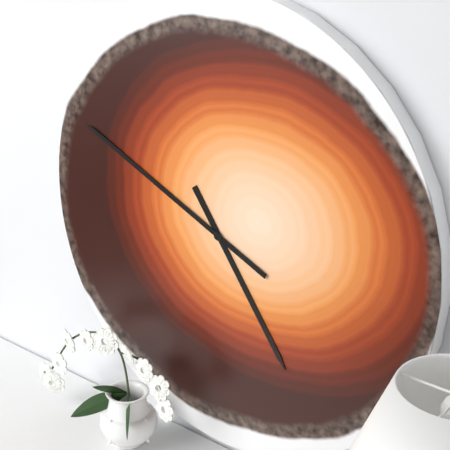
**4:49**
